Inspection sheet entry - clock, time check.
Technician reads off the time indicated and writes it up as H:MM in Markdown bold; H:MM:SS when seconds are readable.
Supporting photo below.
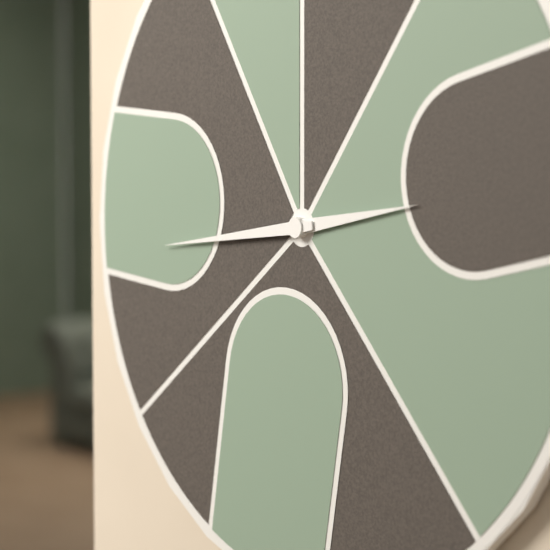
**2:44**
